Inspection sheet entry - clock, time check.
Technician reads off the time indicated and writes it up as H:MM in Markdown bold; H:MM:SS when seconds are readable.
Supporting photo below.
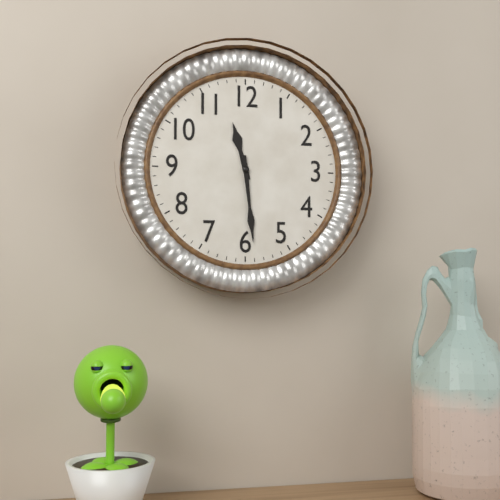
**11:29**
